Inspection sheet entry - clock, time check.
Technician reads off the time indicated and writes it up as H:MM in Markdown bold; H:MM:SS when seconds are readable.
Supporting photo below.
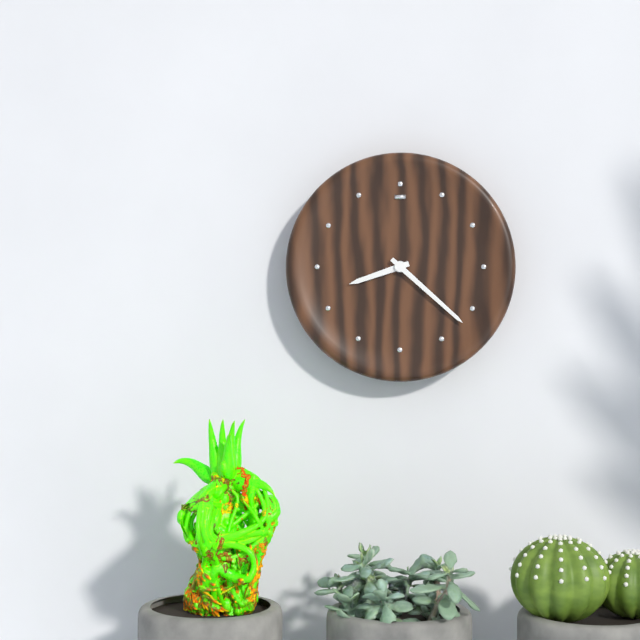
**8:22**
